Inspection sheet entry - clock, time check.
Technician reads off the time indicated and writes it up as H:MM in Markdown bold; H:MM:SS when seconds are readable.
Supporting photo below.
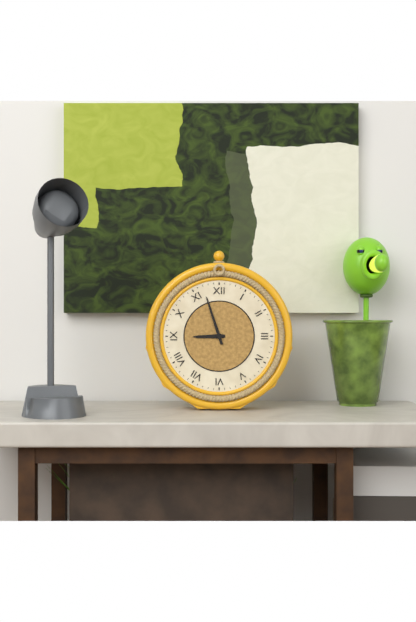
**8:57**
